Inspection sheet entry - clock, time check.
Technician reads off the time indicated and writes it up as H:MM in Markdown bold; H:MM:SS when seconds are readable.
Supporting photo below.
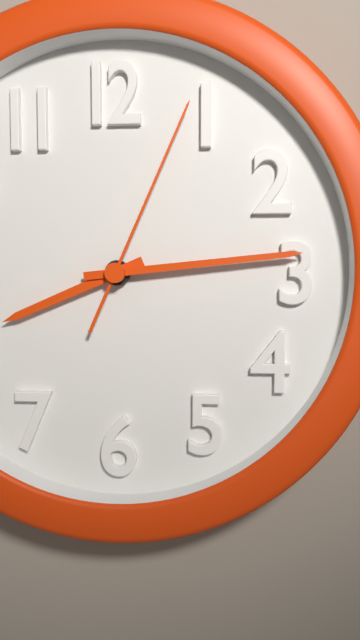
**8:14:04**
